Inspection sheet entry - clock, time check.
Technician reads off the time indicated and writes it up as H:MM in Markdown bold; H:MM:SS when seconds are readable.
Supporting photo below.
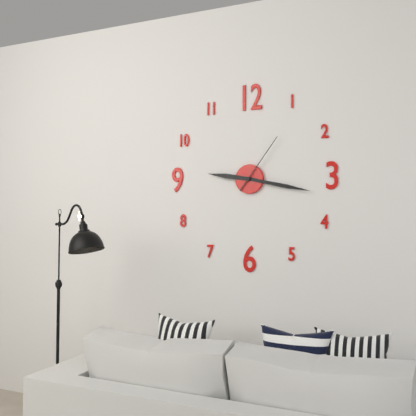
**9:17:06**
